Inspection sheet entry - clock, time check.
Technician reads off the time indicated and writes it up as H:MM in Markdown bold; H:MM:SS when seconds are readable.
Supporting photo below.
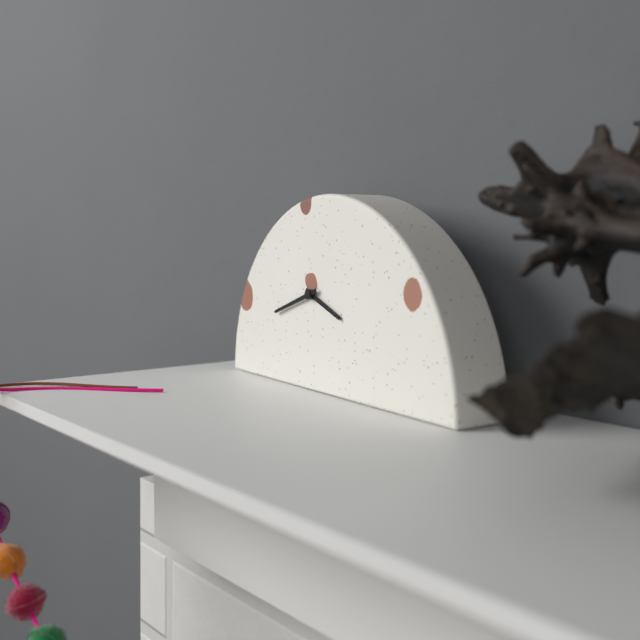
**3:42**
